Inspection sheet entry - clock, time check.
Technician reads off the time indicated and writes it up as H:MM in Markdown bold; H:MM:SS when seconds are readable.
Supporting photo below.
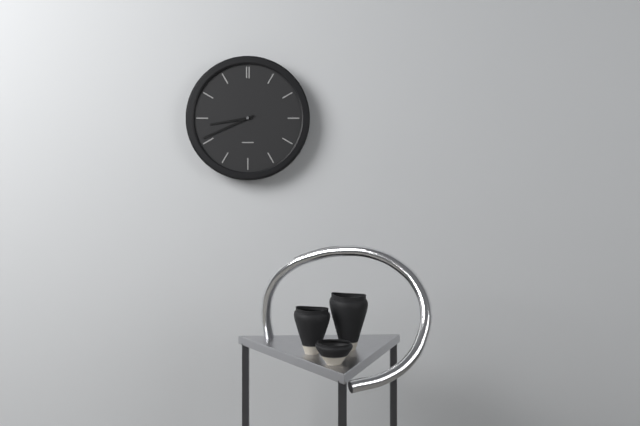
**8:41**
